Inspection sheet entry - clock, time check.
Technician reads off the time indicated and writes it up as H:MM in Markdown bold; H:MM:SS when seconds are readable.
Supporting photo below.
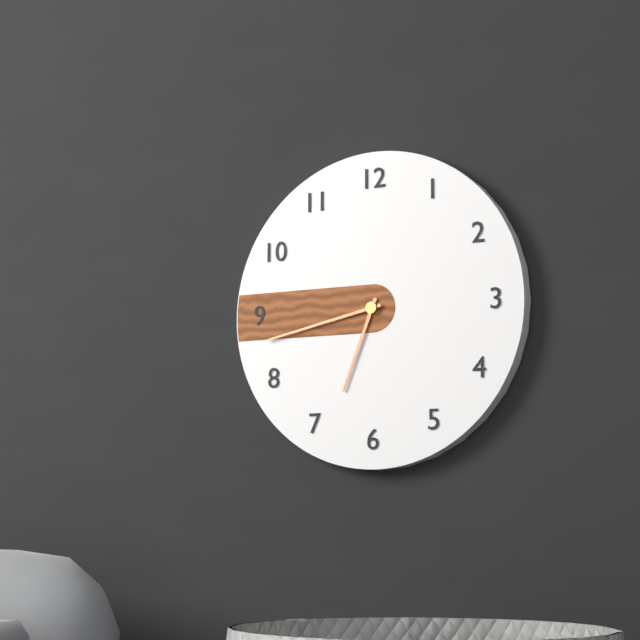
**6:43**
